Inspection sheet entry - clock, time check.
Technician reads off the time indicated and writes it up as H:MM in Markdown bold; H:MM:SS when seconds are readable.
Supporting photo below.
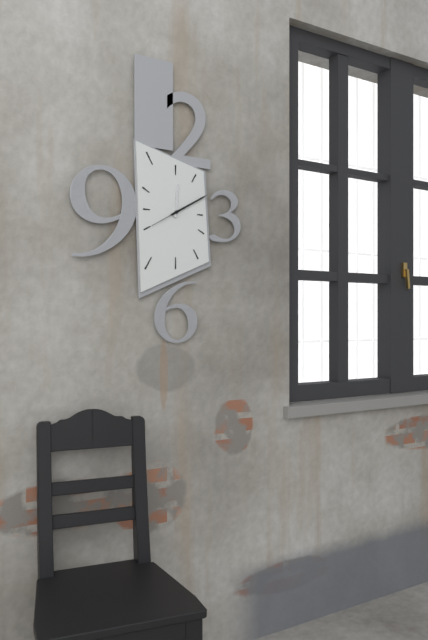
**12:10**
